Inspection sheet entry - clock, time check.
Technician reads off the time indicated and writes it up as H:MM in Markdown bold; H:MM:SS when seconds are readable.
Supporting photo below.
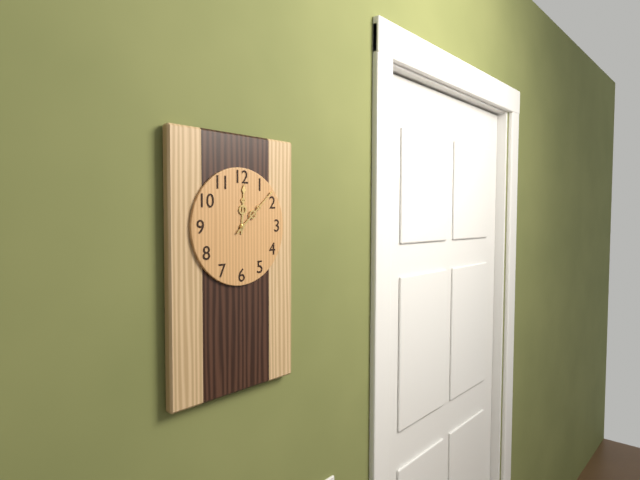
**12:08**
